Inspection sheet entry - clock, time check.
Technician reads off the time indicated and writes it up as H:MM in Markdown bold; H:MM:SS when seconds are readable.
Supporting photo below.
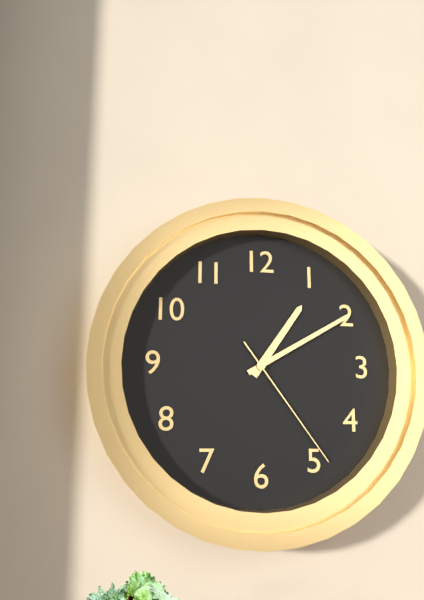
**1:10:24**
